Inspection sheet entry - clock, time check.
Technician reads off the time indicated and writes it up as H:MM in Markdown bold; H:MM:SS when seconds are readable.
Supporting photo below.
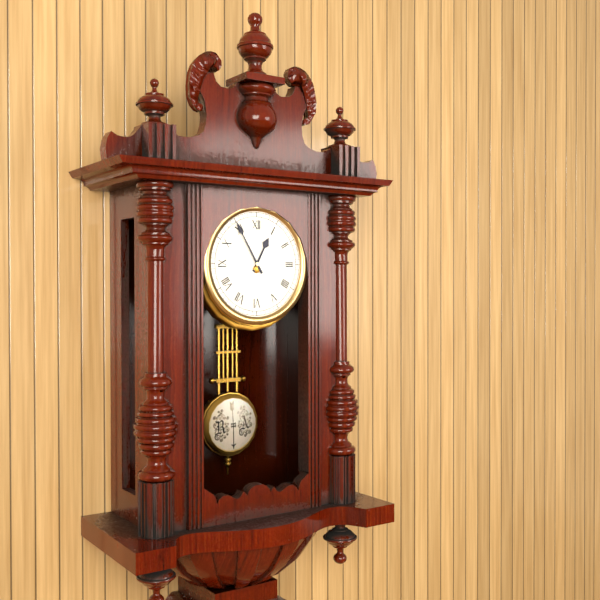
**12:55**
